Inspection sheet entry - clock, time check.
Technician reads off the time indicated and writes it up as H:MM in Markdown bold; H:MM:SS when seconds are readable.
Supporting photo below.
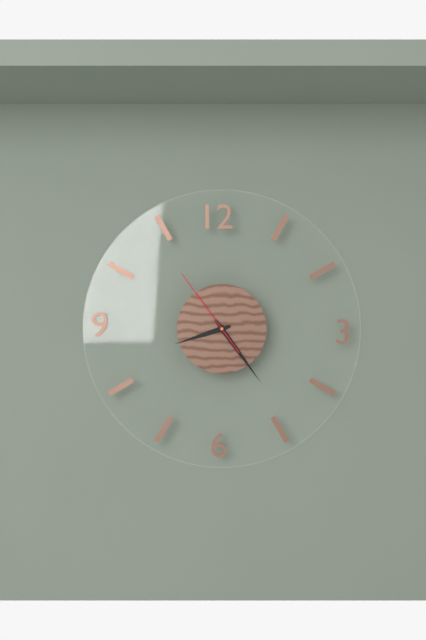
**8:24:54**
